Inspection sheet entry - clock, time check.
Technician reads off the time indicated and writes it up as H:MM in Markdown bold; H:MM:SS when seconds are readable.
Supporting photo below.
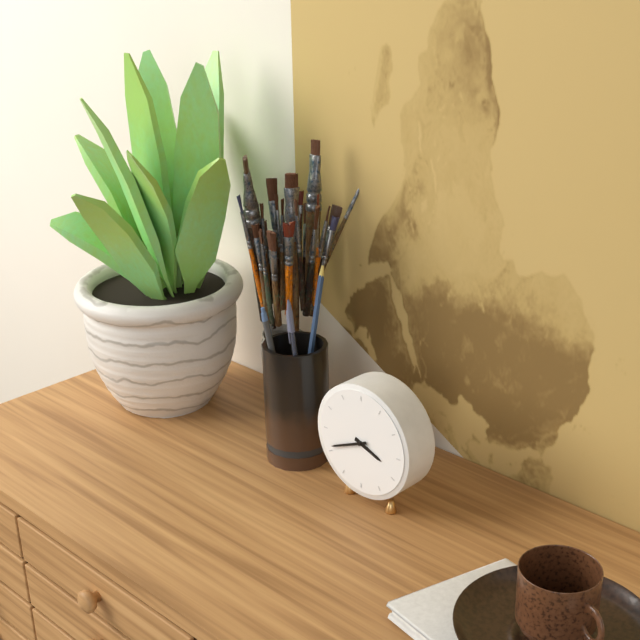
**3:41**
